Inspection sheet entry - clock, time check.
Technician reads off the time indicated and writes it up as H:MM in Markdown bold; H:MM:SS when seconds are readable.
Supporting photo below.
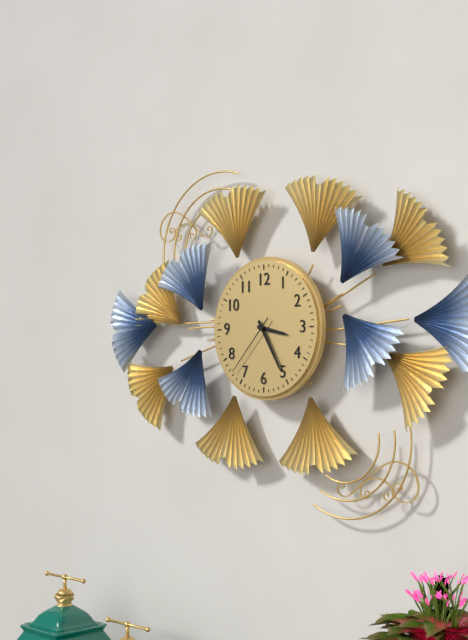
**3:25:37**
